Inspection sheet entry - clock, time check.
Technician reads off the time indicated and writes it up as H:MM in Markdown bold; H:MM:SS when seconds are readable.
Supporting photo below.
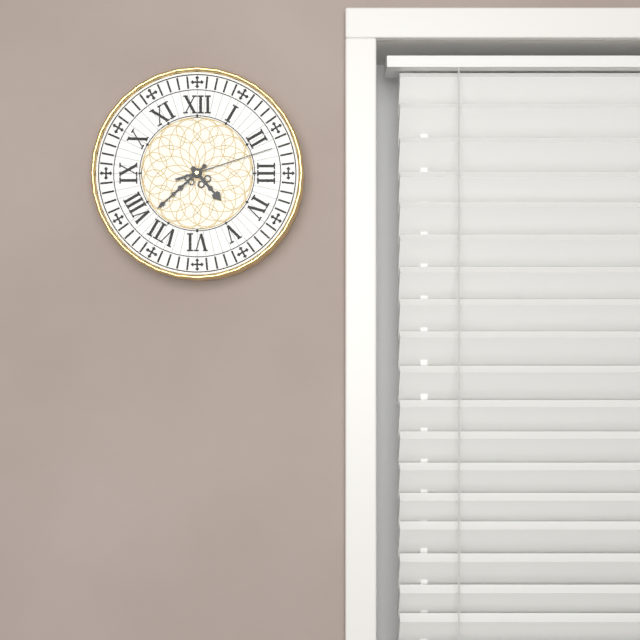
**4:38:12**
